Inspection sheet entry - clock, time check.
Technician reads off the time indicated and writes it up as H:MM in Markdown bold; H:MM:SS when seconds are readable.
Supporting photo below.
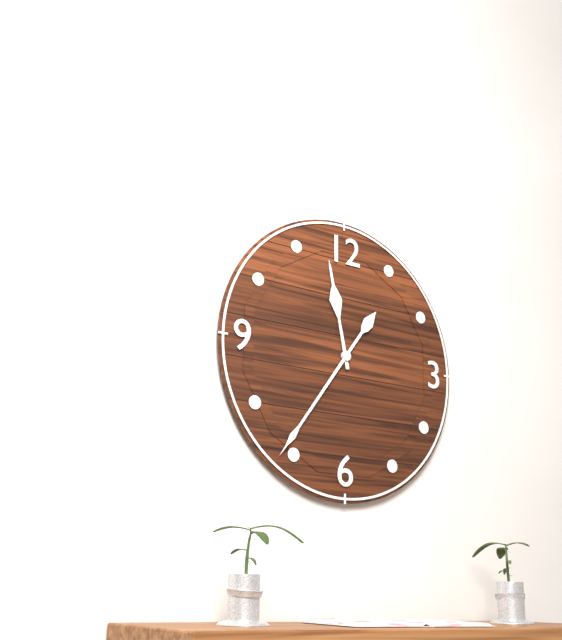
**11:36**
